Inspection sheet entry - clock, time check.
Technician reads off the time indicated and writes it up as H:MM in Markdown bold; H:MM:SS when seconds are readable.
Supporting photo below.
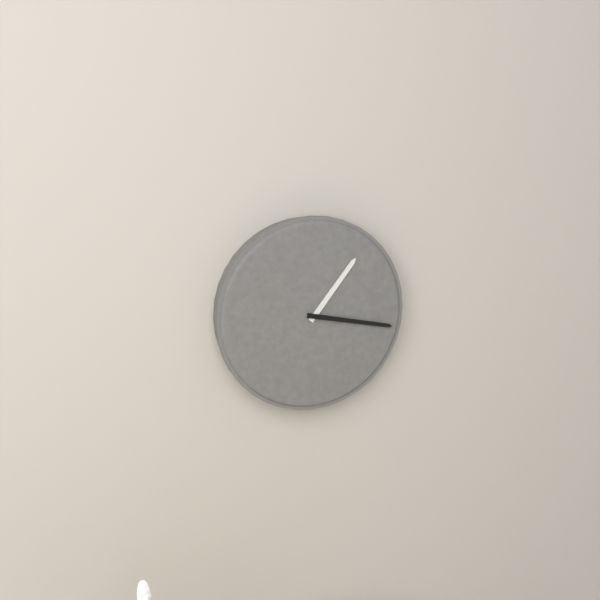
**1:17**
